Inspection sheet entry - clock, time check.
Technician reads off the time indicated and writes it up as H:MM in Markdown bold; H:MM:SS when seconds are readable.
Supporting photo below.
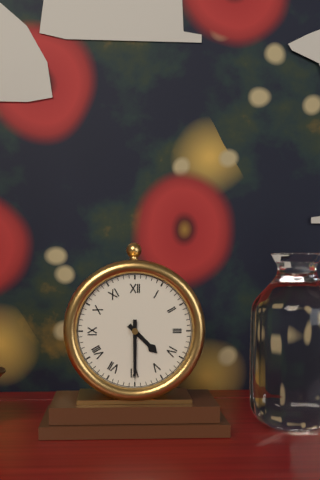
**4:30**
